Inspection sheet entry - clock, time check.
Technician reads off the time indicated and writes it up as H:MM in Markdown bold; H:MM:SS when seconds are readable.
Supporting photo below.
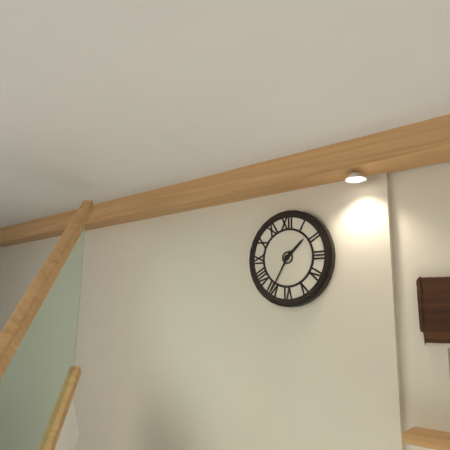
**1:35**
